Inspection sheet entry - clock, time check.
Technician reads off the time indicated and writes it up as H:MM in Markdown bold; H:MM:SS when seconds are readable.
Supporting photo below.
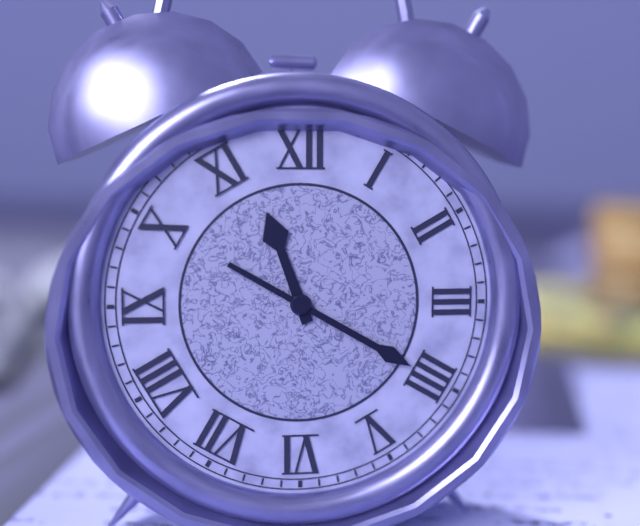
**11:20**
